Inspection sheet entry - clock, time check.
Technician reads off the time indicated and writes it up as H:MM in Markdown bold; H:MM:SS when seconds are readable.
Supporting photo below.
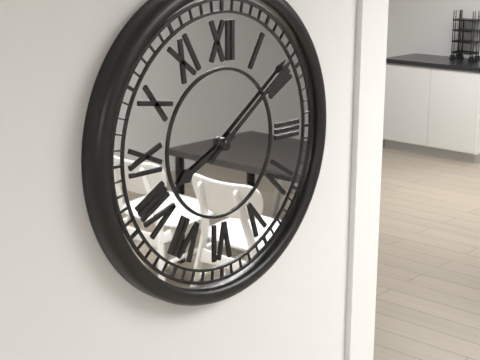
**8:09**
